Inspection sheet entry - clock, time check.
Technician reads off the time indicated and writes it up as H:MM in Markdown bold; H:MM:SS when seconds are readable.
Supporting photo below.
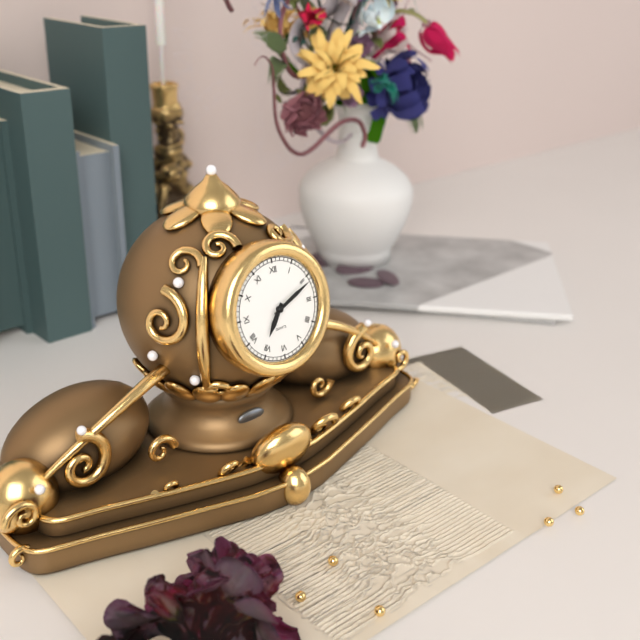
**7:11**
